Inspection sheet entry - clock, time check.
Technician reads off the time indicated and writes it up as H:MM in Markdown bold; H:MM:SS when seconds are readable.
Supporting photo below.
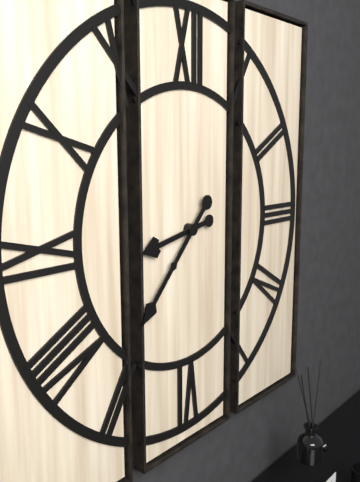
**8:37**
